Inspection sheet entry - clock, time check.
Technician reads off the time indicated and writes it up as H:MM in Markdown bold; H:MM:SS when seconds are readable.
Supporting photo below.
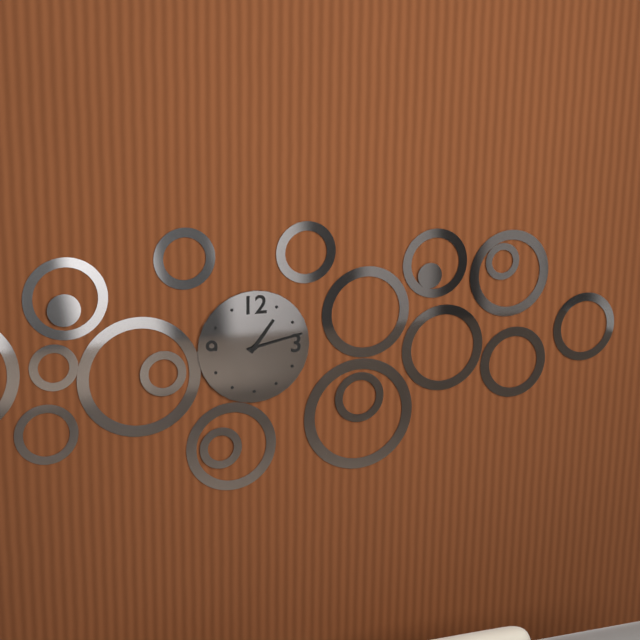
**1:13**
